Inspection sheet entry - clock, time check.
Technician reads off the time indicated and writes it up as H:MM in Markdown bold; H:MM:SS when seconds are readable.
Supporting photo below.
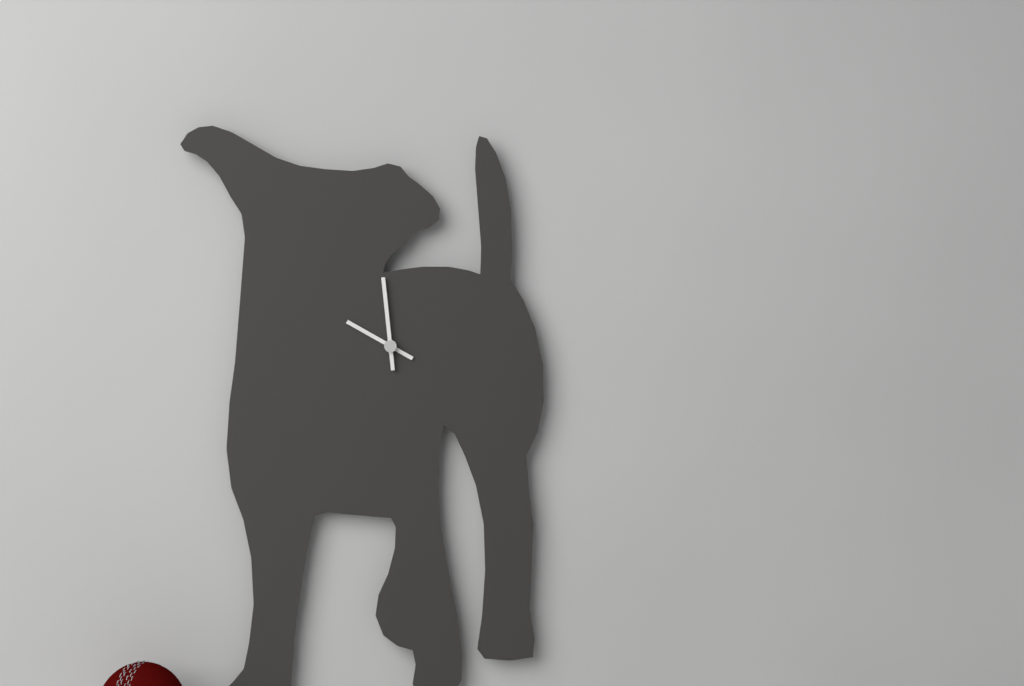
**9:59**
